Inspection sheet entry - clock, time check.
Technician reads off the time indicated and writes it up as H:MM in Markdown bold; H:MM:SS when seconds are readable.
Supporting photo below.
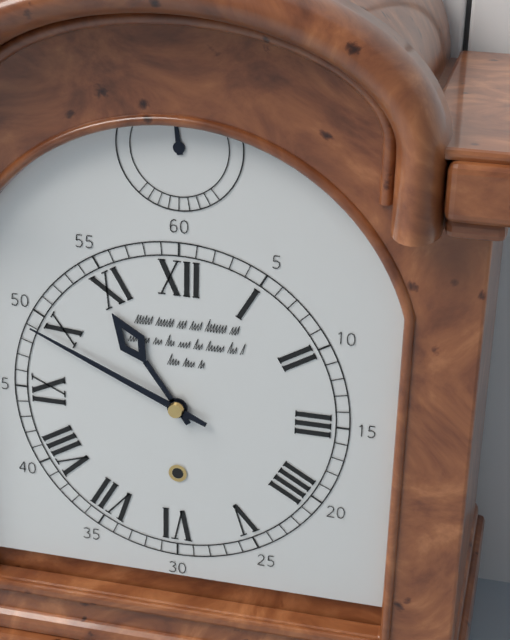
**10:49**
